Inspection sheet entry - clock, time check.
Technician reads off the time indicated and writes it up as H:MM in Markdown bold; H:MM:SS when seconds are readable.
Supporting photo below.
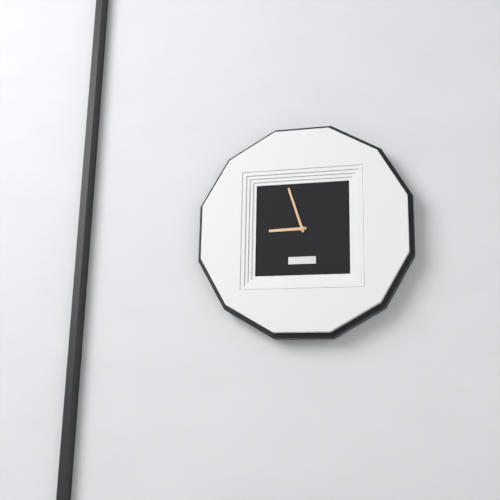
**8:57**
